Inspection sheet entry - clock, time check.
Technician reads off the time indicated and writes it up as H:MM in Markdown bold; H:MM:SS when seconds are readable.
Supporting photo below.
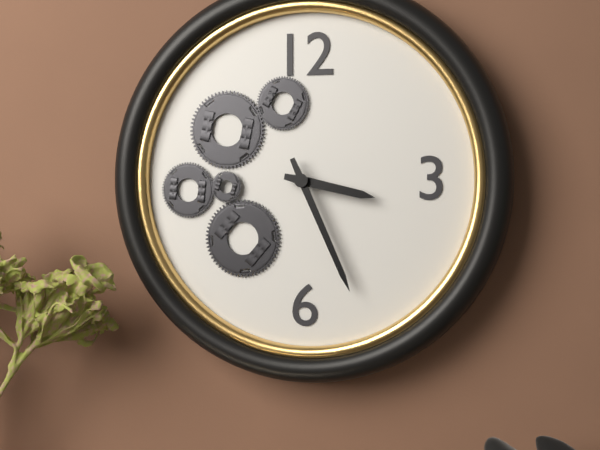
**3:26**
